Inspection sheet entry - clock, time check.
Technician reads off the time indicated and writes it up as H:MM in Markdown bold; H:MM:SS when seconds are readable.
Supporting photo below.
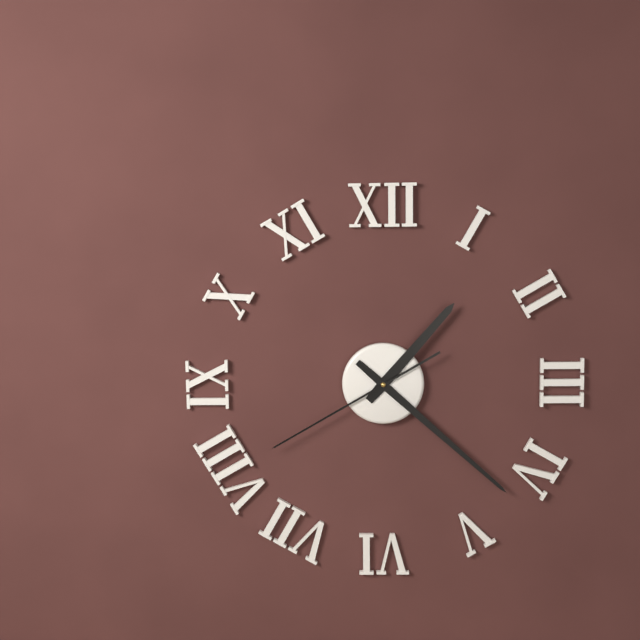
**1:22:40**
